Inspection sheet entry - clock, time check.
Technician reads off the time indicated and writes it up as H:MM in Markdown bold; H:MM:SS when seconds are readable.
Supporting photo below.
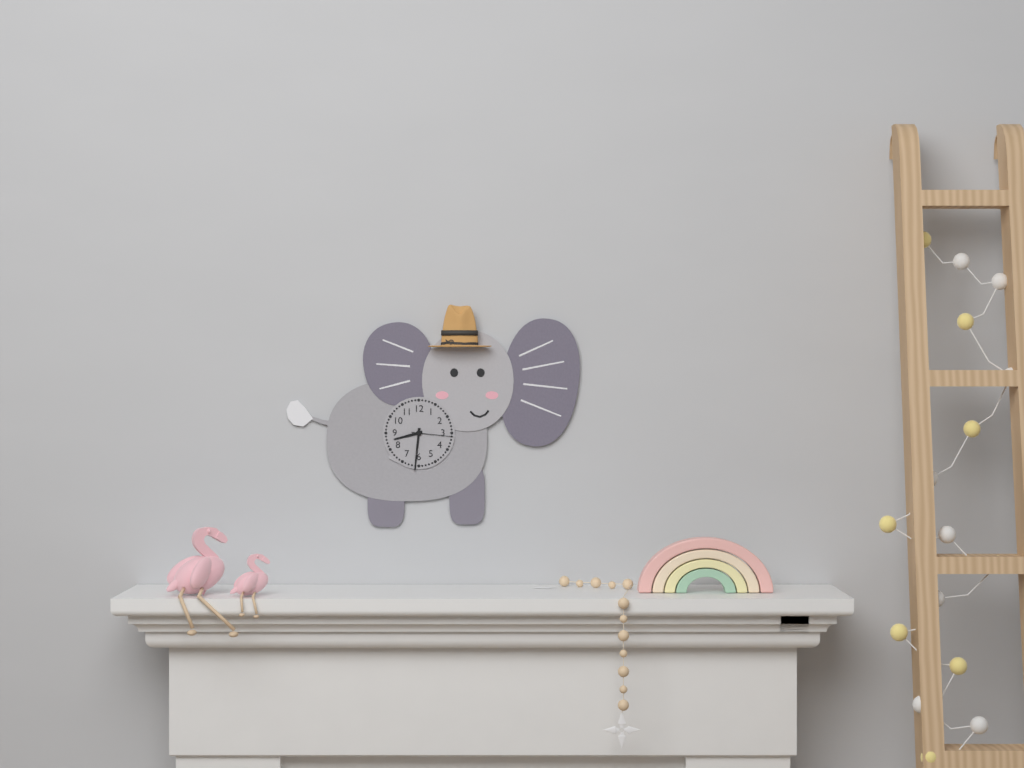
**8:31**
